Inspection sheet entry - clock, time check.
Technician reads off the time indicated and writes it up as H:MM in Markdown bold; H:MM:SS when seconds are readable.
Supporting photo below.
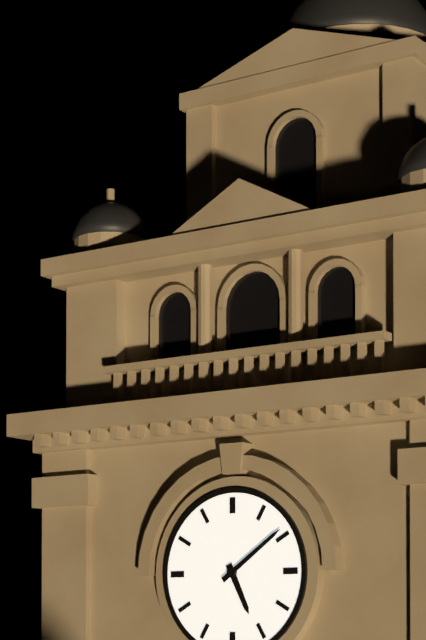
**5:09**
